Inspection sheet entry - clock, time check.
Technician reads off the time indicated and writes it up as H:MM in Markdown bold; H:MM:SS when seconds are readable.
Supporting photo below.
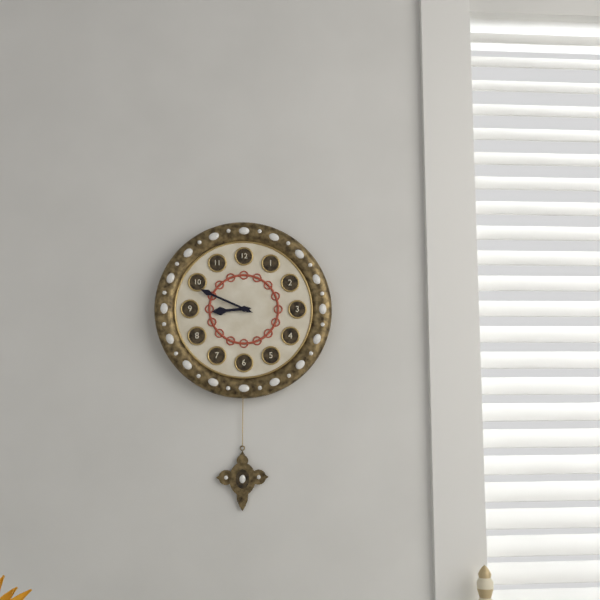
**8:49**
